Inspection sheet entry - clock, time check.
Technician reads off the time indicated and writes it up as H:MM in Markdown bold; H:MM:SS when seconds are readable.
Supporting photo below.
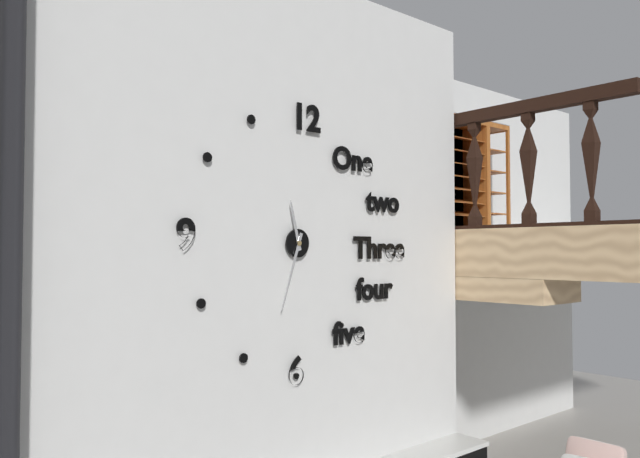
**11:33**
